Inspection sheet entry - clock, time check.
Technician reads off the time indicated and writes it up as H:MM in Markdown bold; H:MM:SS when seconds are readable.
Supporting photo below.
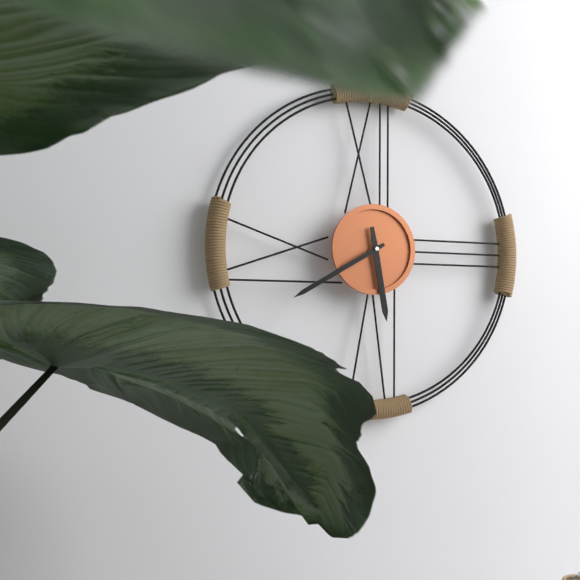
**5:40**
